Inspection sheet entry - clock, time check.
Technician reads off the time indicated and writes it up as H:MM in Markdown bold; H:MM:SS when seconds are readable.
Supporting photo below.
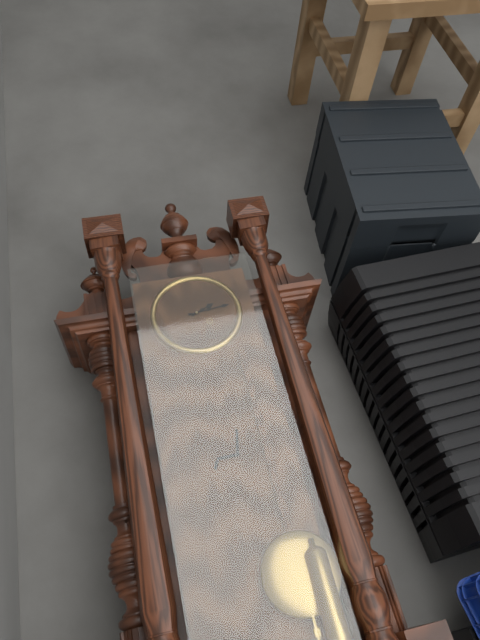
**2:14**
